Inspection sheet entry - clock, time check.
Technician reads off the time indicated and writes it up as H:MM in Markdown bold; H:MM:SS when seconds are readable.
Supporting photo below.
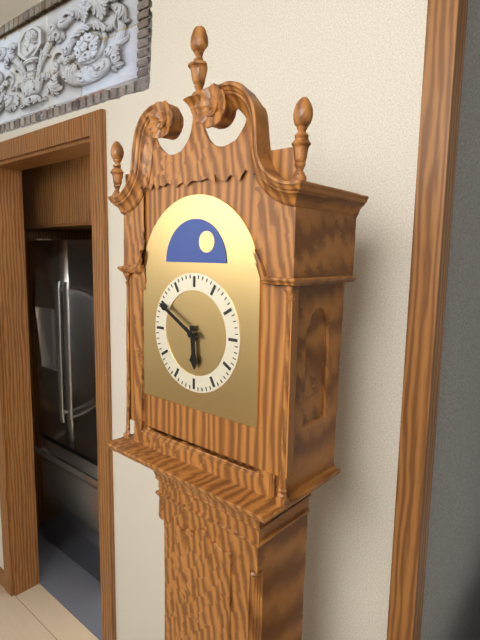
**5:50**
